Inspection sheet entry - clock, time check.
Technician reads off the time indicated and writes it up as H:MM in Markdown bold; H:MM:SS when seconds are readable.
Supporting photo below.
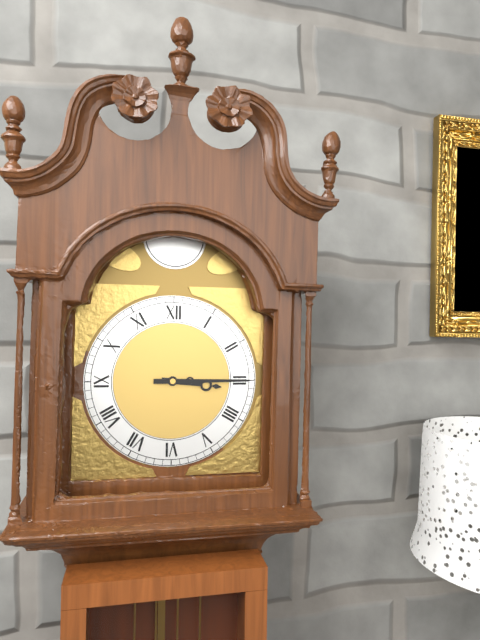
**3:15**
